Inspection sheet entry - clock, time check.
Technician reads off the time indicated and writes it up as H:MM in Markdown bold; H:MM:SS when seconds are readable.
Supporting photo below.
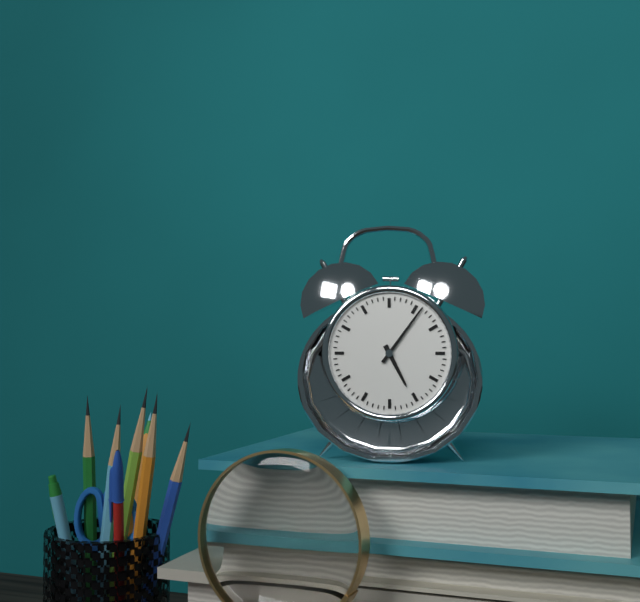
**5:06**
